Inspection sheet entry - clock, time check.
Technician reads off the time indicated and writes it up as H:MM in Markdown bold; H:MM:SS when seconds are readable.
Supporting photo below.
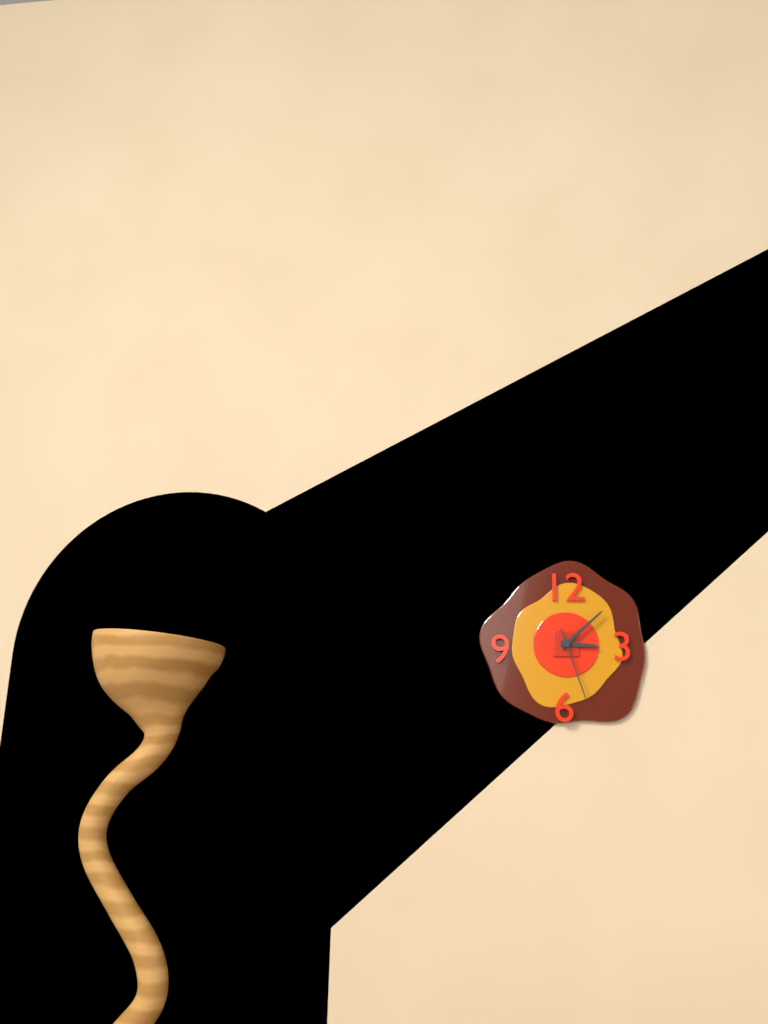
**3:08:27**
